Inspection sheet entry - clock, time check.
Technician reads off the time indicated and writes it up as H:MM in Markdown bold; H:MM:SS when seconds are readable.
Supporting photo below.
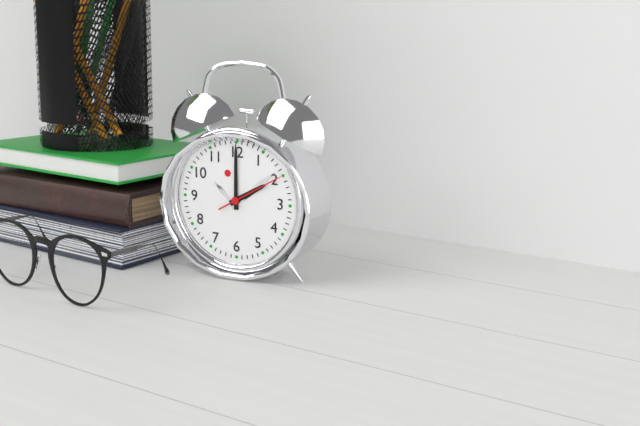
**2:00:10**
